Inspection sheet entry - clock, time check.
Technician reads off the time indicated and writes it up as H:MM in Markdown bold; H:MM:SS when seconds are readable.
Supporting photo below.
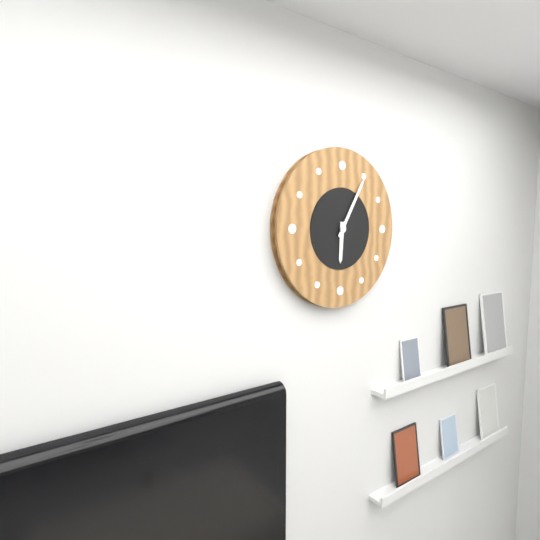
**6:05**
